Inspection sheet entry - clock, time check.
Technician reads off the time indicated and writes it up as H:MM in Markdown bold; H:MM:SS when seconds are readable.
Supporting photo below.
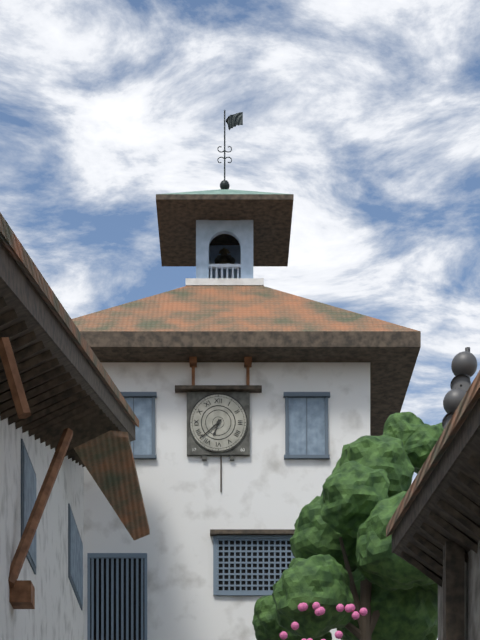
**6:38**
